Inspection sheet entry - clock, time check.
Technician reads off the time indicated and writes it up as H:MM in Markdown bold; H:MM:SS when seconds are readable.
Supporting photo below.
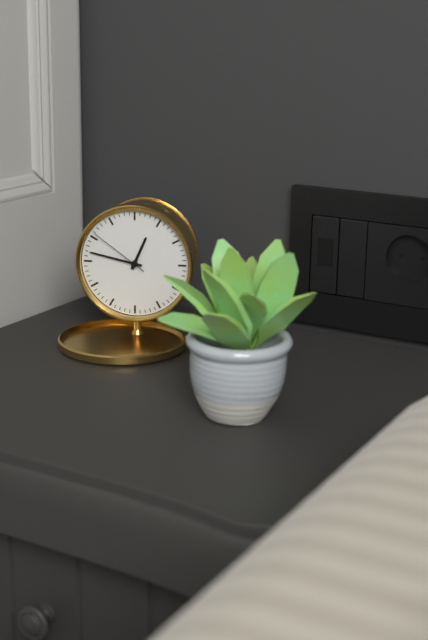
**12:47:51**
